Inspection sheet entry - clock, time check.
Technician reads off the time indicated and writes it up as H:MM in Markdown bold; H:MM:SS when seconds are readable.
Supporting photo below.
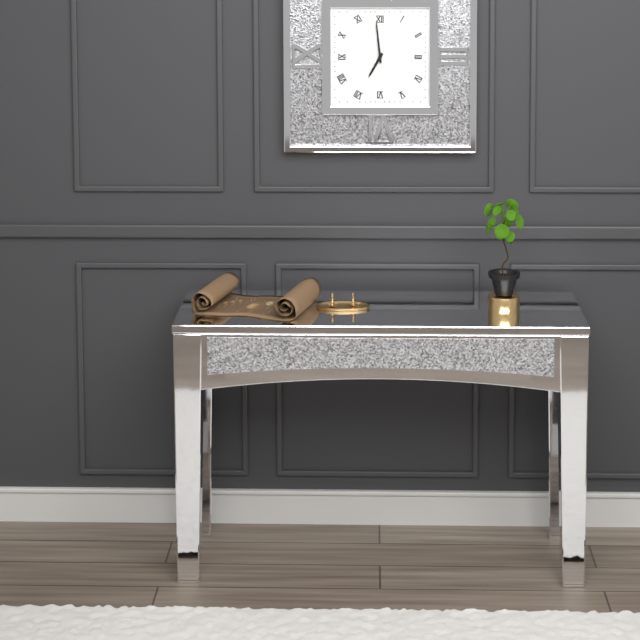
**6:59**
